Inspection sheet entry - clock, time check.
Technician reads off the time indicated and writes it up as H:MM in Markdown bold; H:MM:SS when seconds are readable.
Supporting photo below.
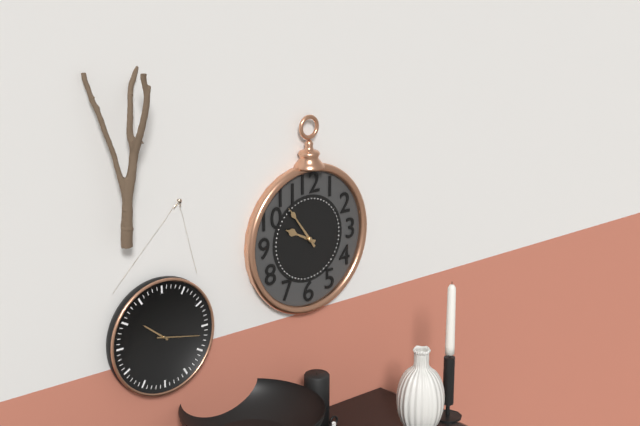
**9:54**
